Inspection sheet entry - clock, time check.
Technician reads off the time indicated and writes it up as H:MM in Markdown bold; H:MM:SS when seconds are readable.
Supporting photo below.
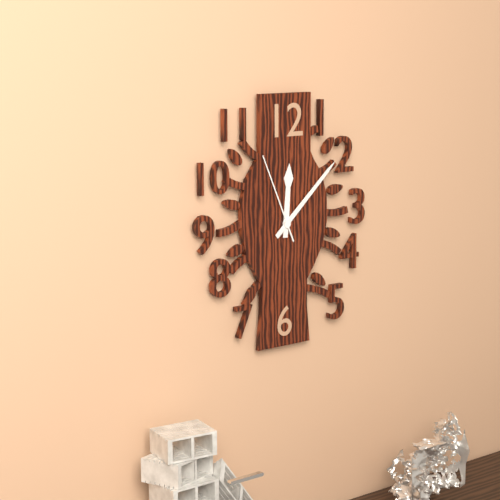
**12:08:56**
